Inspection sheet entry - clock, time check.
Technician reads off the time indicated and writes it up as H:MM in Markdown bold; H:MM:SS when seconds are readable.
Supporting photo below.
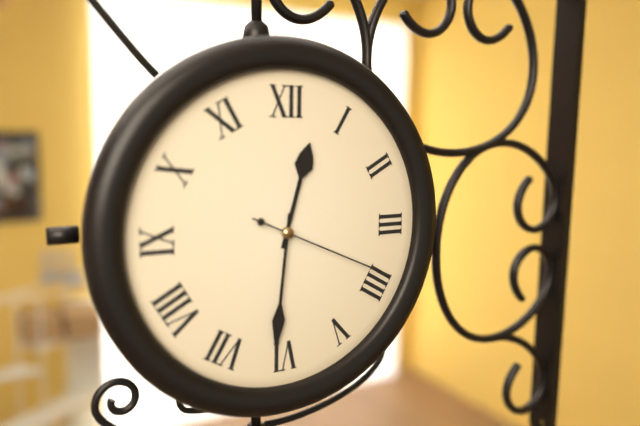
**12:31:19**
